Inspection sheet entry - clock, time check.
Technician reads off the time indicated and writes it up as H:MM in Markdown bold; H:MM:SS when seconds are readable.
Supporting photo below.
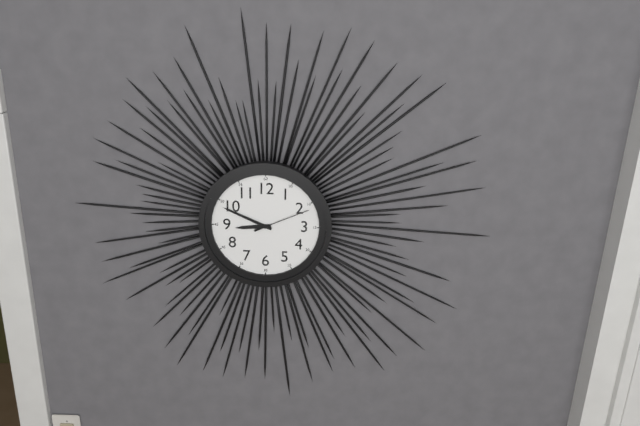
**8:49:11**
